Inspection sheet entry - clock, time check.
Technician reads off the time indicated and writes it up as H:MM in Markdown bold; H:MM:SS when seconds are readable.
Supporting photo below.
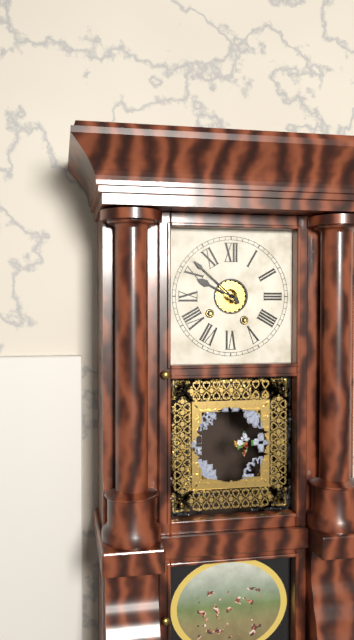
**9:52**
